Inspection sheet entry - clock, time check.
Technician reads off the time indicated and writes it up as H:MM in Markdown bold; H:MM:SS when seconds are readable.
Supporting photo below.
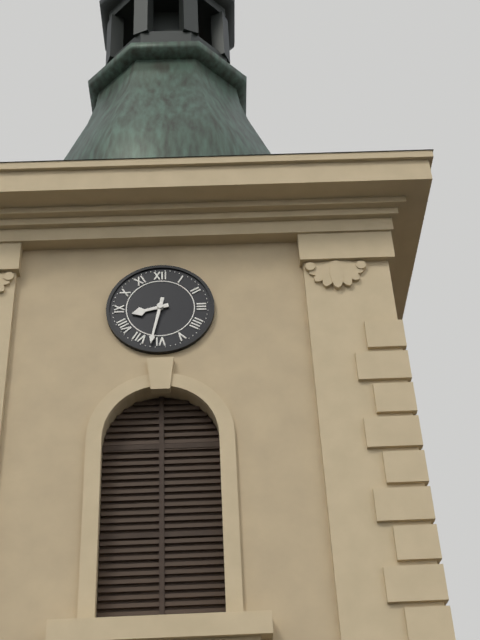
**8:32**
